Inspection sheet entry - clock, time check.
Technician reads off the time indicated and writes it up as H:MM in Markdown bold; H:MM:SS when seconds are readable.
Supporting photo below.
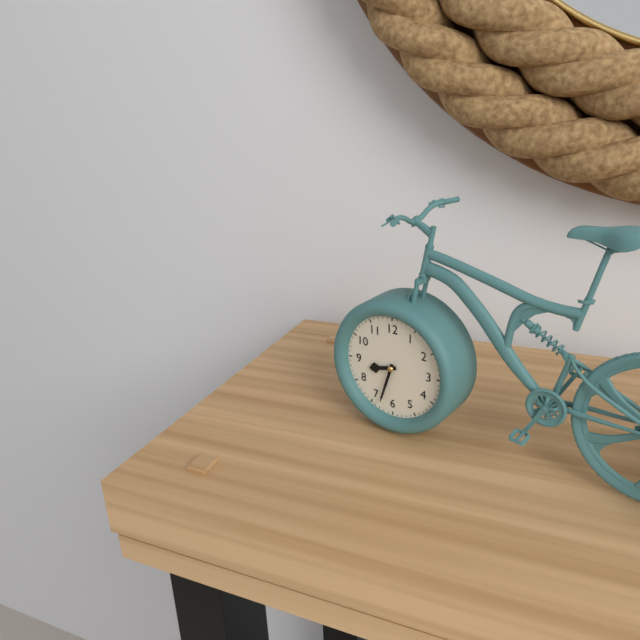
**8:33**
